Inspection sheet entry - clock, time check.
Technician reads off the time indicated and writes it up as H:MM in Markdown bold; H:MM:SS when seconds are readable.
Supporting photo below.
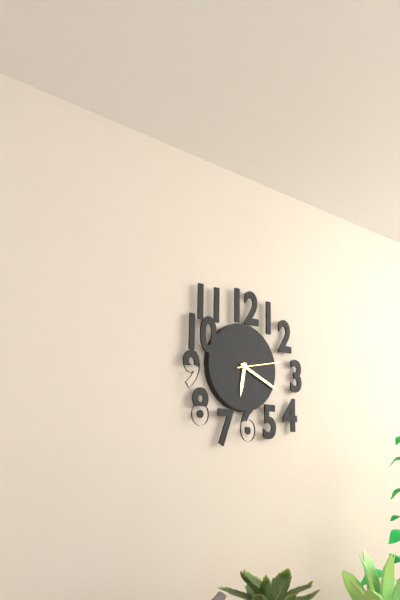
**6:19**
